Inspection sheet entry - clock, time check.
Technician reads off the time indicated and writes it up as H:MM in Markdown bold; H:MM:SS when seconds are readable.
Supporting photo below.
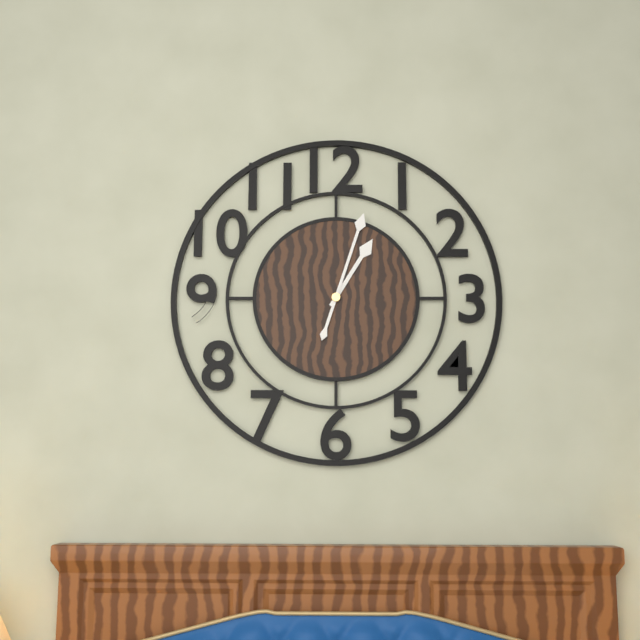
**1:03**
